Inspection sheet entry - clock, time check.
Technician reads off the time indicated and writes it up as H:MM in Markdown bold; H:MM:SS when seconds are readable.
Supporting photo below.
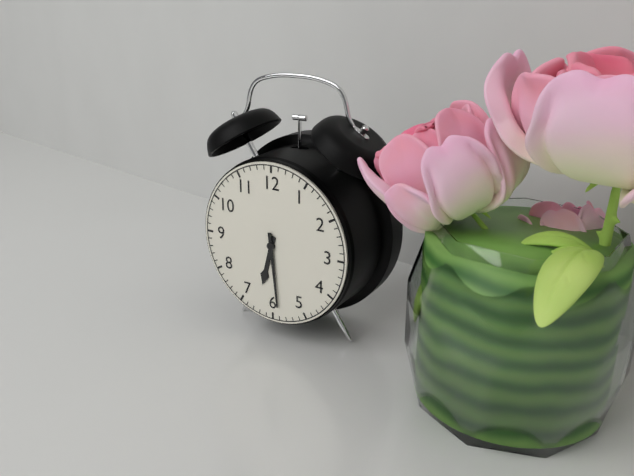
**6:29**
